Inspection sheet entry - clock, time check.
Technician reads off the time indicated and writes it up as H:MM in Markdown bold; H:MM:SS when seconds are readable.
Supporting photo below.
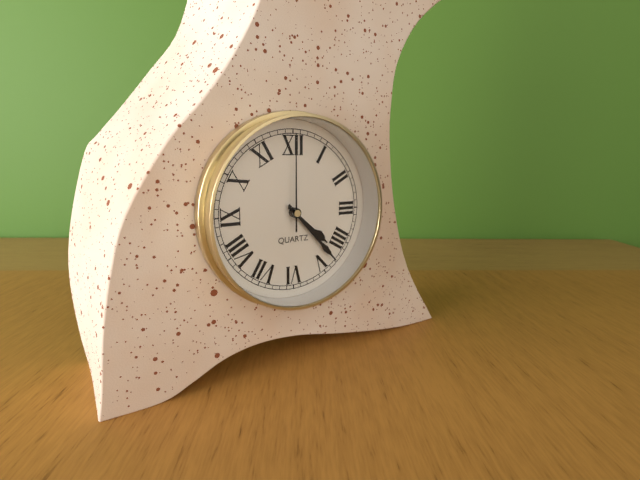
**4:23:00**
